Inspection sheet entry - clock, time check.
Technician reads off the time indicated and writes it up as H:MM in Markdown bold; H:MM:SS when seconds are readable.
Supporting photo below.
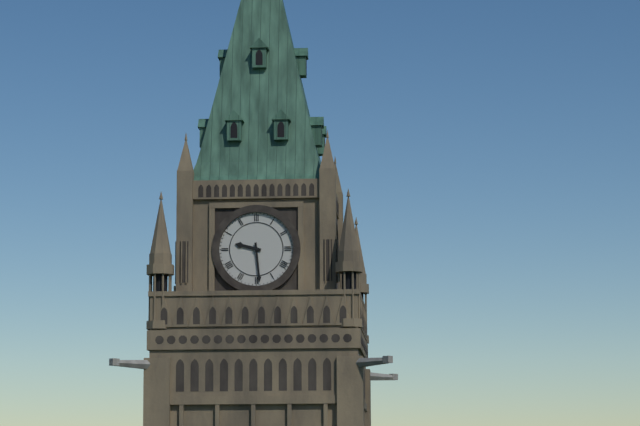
**9:29**
